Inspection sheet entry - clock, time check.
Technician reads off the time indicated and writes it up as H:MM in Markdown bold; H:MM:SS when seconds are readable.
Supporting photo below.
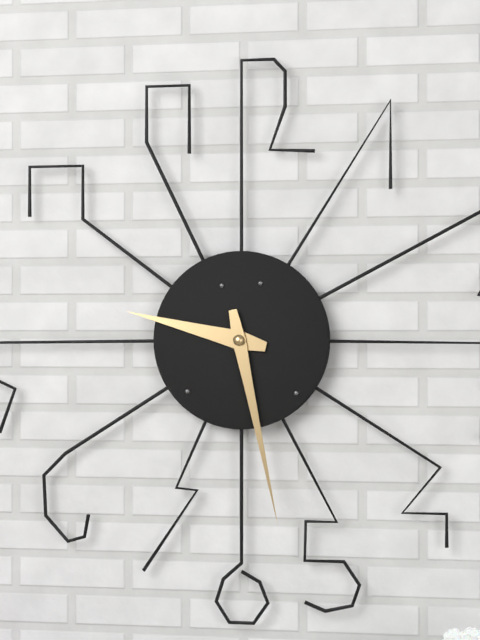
**9:28**
